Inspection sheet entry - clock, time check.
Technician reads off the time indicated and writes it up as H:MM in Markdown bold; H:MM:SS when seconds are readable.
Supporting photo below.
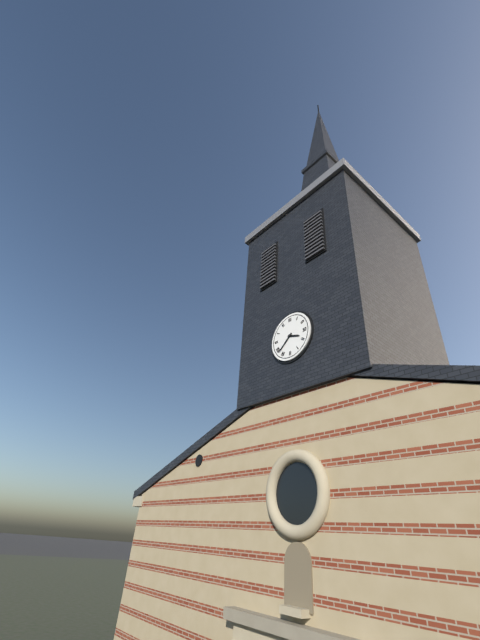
**3:38**
